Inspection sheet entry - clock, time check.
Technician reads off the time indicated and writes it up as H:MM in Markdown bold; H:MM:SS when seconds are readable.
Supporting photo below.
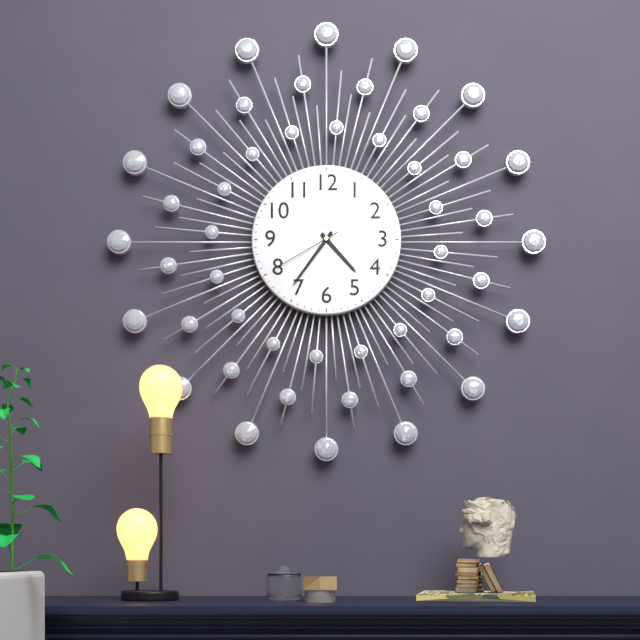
**4:36:40**
